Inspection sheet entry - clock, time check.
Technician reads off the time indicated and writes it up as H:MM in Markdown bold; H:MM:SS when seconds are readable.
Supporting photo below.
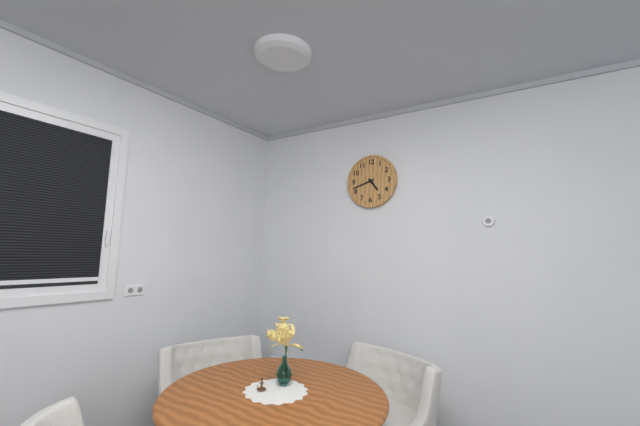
**4:42**
